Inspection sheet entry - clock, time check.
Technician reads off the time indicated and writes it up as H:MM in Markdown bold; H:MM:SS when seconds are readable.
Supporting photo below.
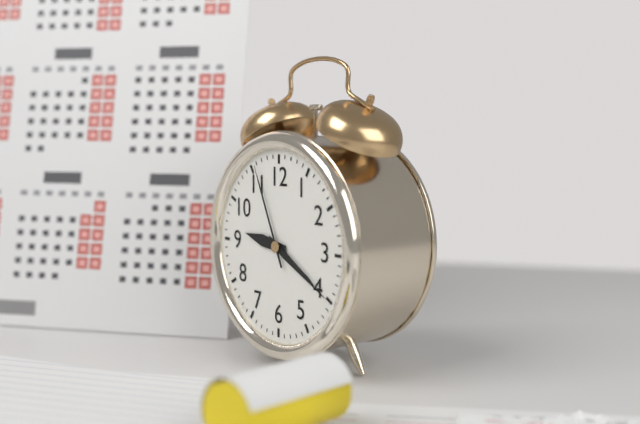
**9:20:56**
